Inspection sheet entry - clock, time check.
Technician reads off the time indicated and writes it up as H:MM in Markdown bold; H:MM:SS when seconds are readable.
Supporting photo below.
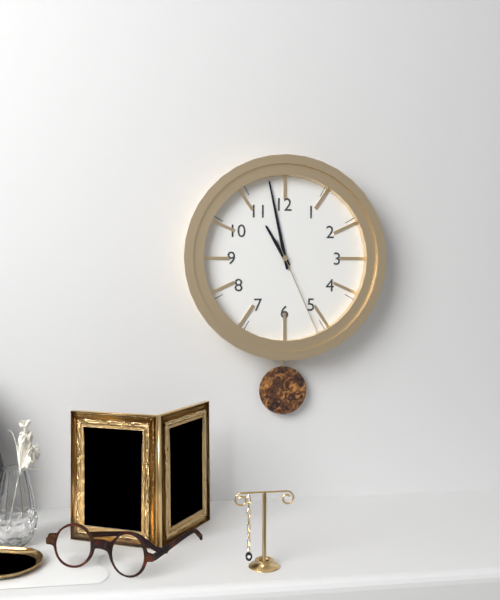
**10:58:26**
